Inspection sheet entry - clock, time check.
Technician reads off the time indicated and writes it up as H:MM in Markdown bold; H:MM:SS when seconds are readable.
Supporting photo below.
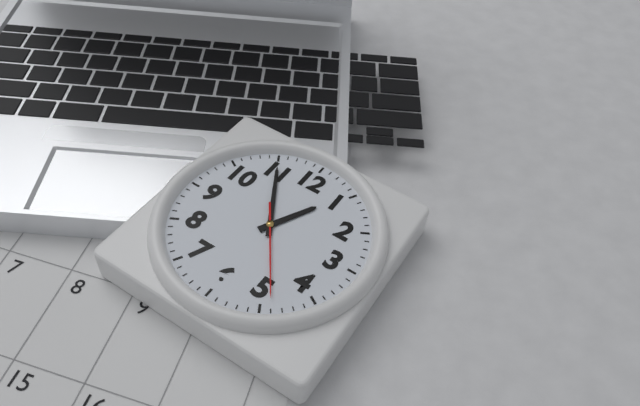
**12:55:24**
